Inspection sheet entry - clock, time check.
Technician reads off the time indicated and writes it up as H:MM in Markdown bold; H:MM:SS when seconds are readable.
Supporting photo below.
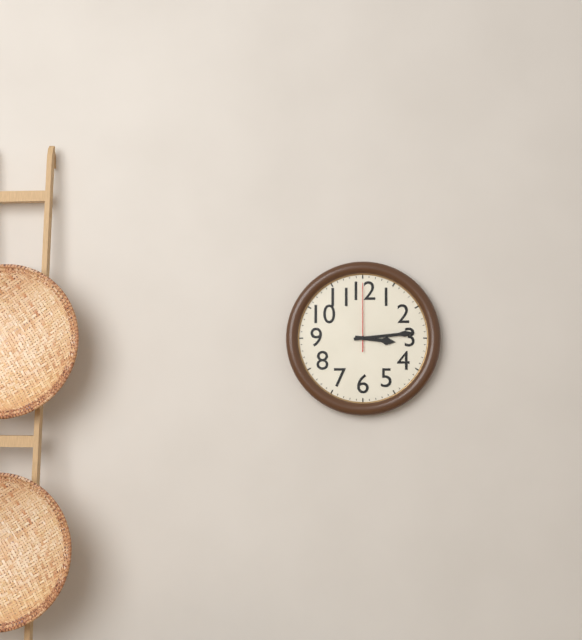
**3:14:00**
